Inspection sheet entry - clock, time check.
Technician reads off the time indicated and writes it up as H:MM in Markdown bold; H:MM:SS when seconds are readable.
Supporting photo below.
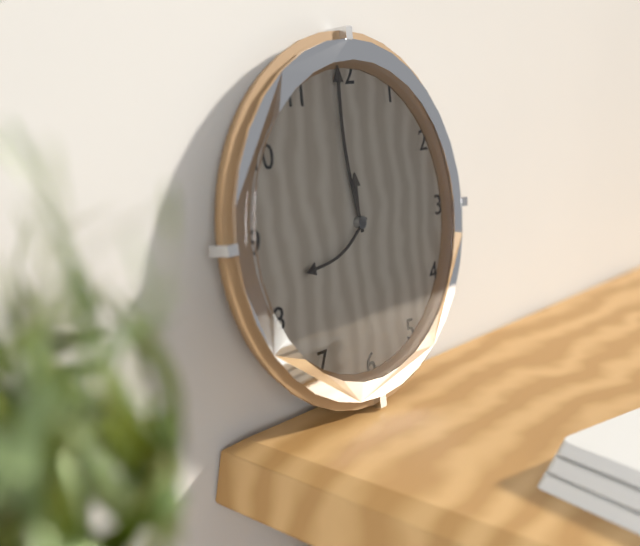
**11:59:41**
